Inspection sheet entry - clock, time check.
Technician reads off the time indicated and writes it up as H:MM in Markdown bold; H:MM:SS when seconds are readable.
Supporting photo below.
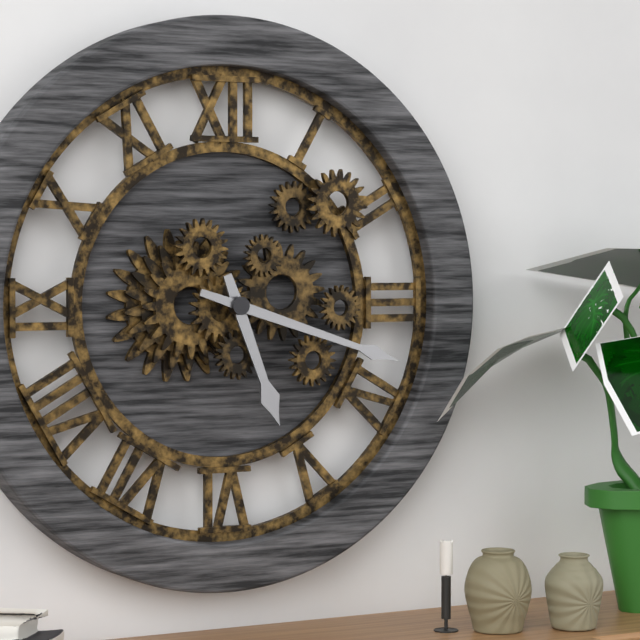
**5:18**
